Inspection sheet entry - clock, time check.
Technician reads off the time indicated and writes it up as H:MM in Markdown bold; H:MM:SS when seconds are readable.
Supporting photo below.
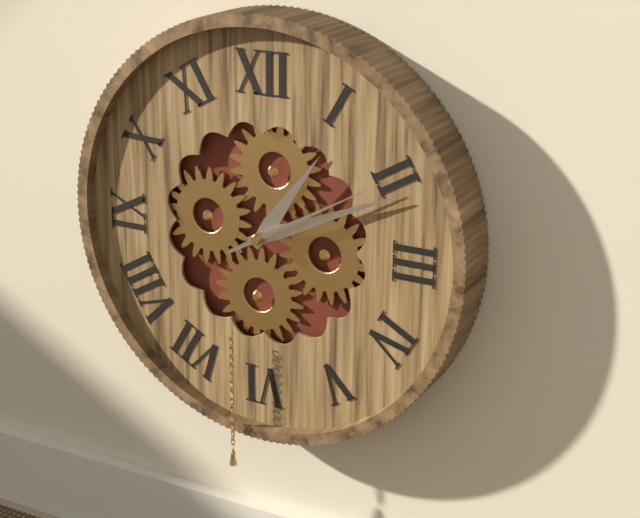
**1:11:10**
